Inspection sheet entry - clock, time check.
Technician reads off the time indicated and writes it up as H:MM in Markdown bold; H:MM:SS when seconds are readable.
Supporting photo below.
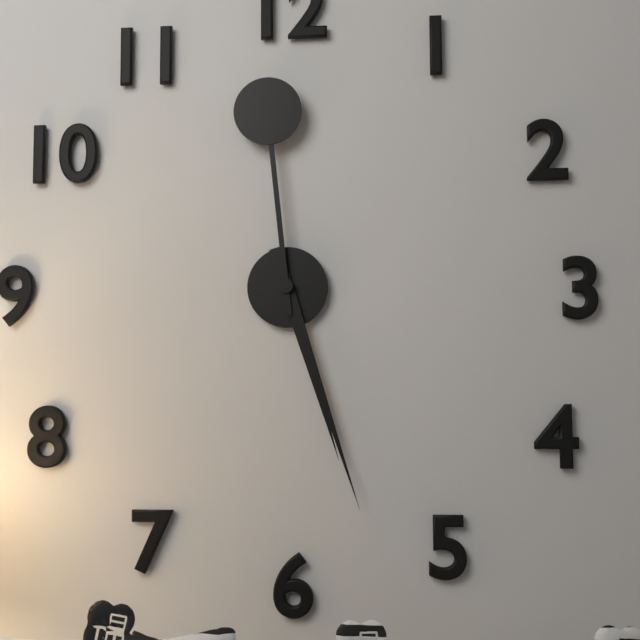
**5:27:59**
